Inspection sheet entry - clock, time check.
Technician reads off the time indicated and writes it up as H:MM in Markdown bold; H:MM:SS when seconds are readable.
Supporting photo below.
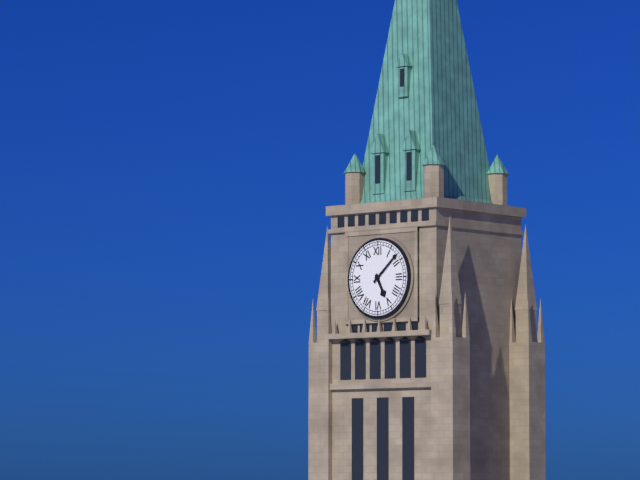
**5:08**
